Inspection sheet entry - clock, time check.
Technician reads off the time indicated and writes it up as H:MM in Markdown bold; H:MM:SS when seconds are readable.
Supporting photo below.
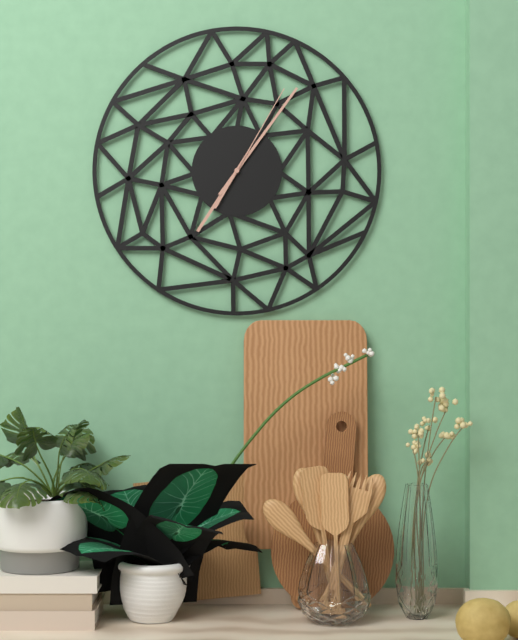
**7:06:05**
